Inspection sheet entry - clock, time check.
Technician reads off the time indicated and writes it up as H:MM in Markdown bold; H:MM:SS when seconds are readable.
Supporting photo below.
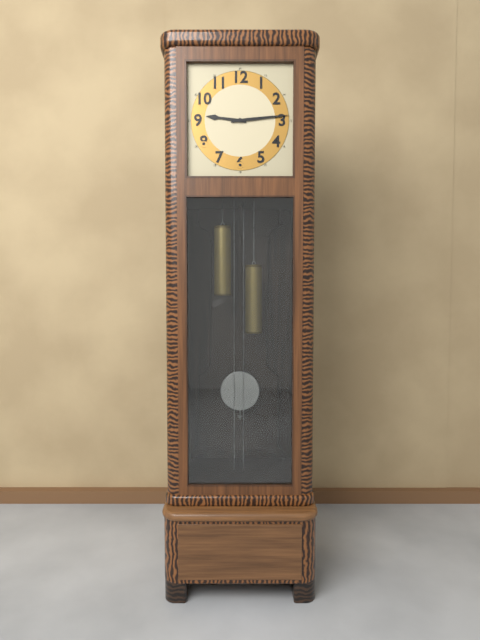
**9:14**
